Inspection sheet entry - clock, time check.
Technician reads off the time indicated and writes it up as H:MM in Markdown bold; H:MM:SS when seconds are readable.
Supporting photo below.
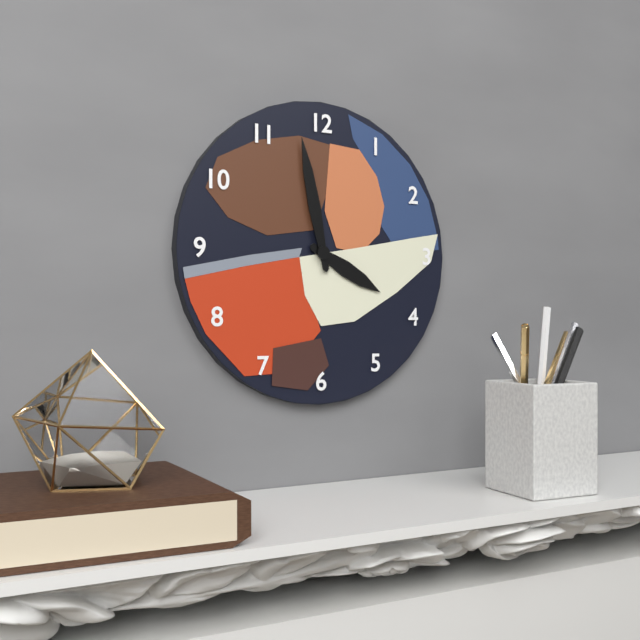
**3:58**
